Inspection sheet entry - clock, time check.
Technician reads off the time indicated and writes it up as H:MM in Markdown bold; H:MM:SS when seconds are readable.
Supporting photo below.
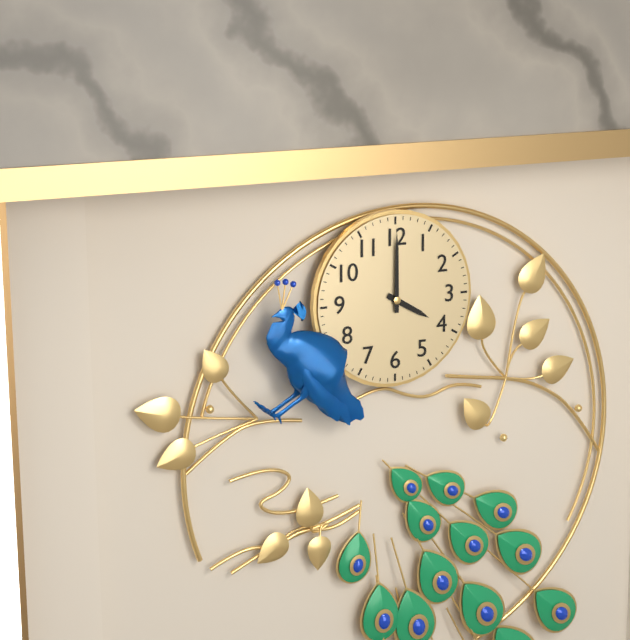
**4:00**
